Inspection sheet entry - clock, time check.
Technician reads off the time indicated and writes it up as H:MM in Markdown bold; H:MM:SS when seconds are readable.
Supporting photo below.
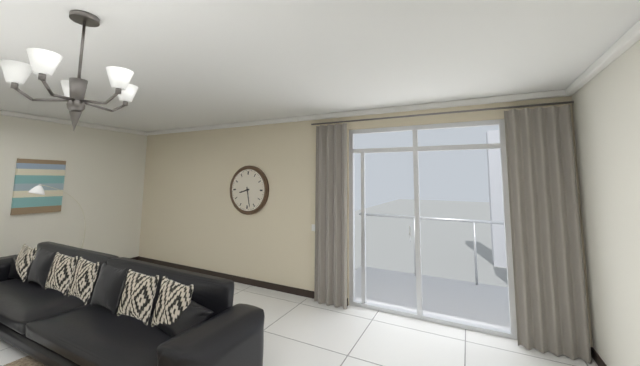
**8:28**
